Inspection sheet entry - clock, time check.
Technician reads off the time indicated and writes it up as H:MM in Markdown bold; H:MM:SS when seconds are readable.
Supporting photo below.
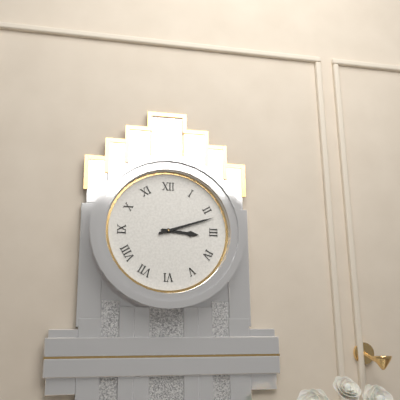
**3:12**
